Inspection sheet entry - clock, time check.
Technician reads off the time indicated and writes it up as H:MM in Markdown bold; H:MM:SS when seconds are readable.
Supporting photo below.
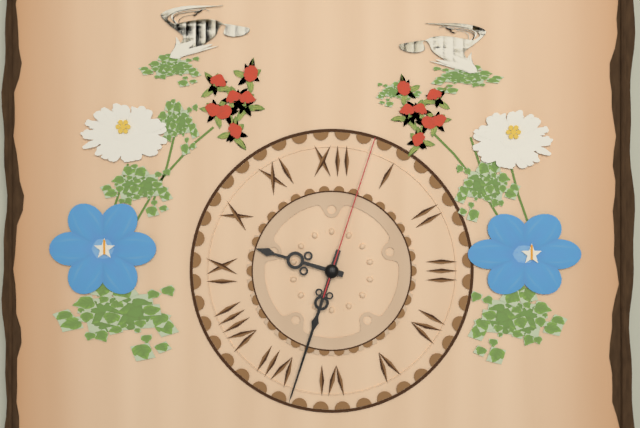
**9:33:03**
